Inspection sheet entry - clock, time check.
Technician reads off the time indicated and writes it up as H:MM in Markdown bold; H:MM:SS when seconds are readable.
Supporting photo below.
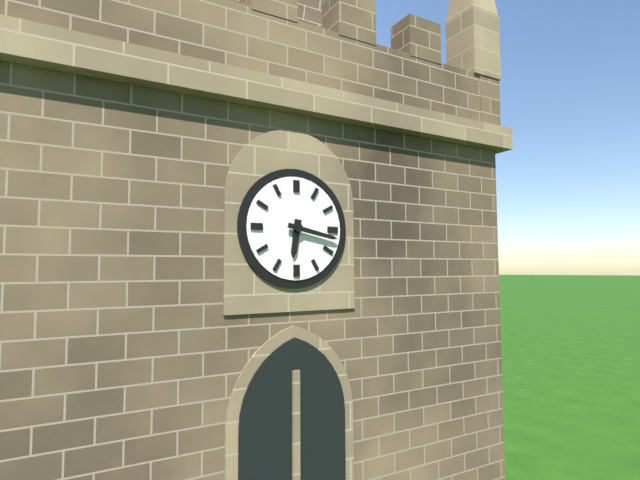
**6:17**
